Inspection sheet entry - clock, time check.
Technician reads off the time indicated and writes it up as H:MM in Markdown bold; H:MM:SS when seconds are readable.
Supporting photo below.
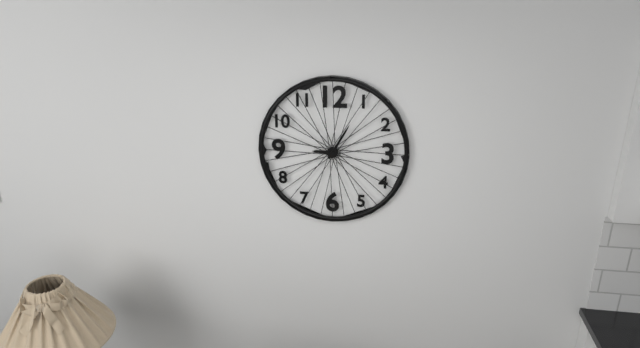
**9:05**
